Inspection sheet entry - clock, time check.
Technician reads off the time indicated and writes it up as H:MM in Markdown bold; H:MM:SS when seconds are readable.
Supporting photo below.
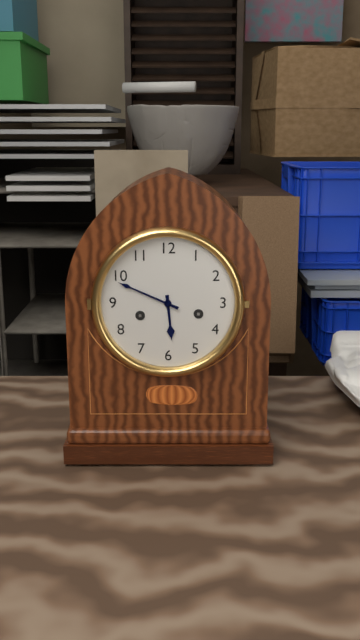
**5:49**
